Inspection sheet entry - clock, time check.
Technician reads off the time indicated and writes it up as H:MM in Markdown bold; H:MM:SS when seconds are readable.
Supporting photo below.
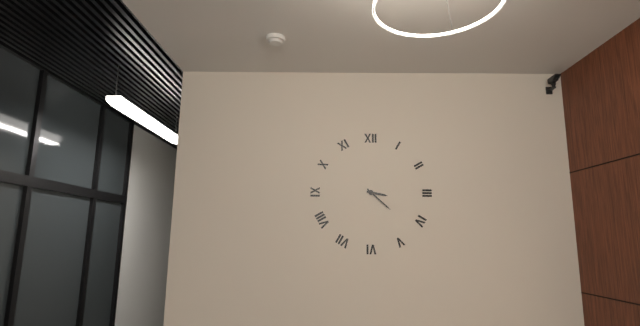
**3:22**
